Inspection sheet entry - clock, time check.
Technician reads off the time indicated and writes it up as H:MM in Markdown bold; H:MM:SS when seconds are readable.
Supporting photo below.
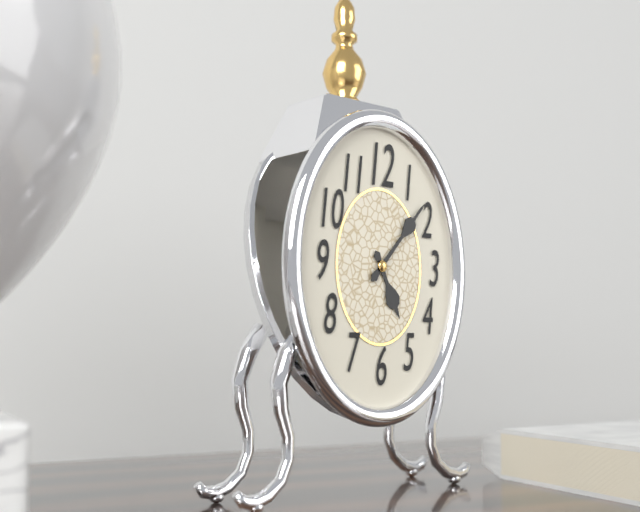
**5:07**
